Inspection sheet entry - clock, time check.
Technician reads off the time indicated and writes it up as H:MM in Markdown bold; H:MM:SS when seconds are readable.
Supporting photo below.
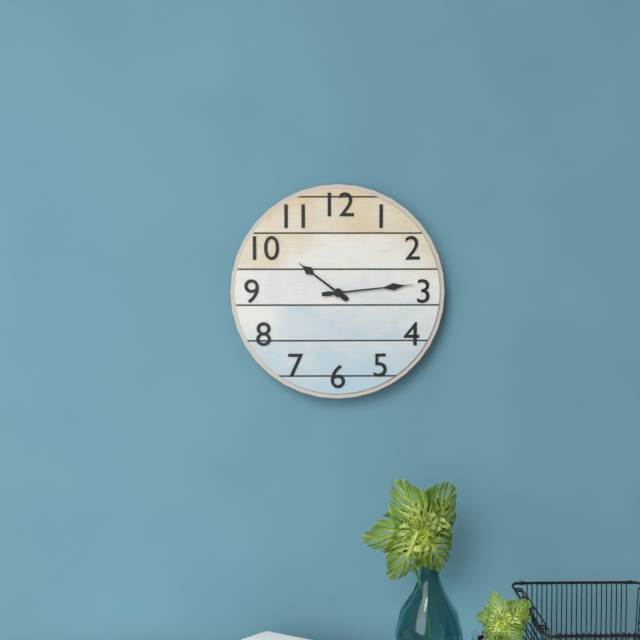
**10:14**
